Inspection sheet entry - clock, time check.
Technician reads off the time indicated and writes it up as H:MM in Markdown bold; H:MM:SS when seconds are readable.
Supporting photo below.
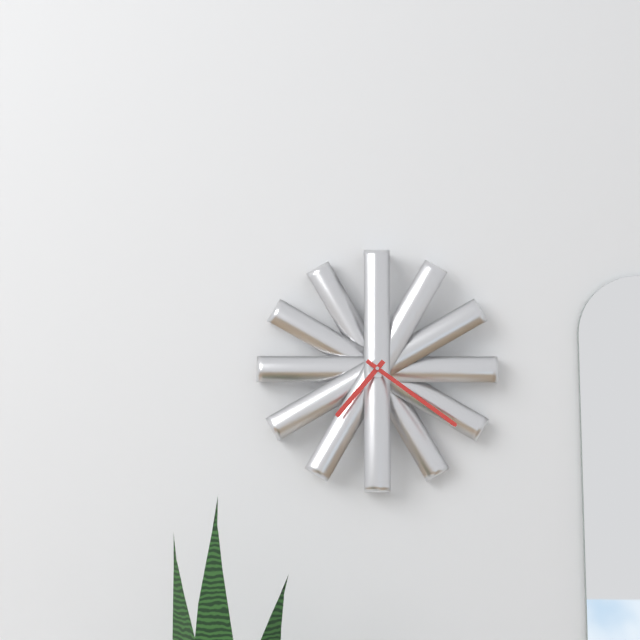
**7:21**
